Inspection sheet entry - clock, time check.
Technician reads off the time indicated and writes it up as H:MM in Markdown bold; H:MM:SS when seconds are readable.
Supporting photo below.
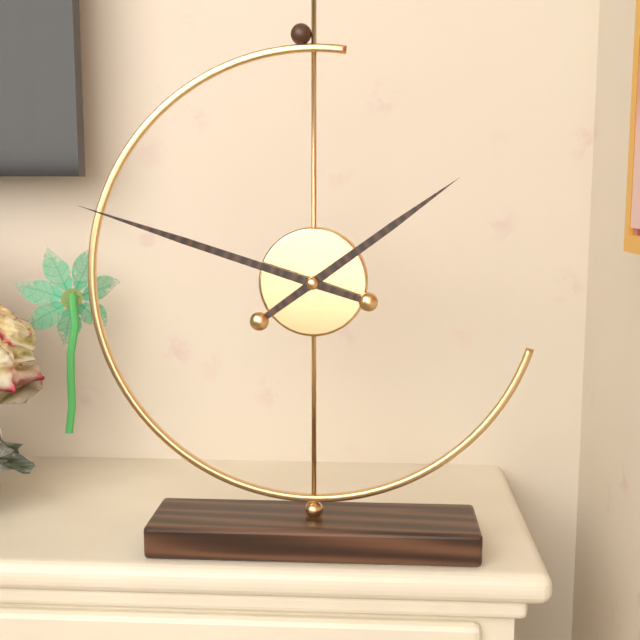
**1:48**
